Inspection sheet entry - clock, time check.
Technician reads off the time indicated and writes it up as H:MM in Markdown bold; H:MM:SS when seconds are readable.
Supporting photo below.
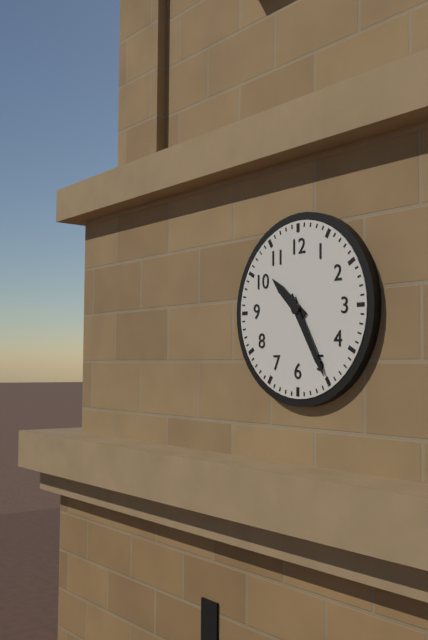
**10:25**
